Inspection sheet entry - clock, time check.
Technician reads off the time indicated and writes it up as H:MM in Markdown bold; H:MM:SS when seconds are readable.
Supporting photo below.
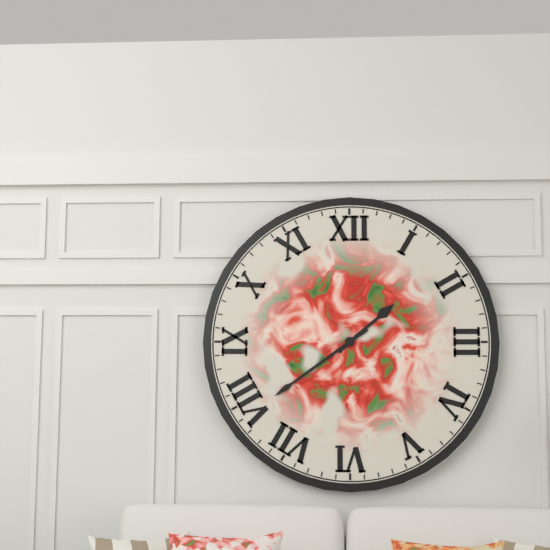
**1:39**
